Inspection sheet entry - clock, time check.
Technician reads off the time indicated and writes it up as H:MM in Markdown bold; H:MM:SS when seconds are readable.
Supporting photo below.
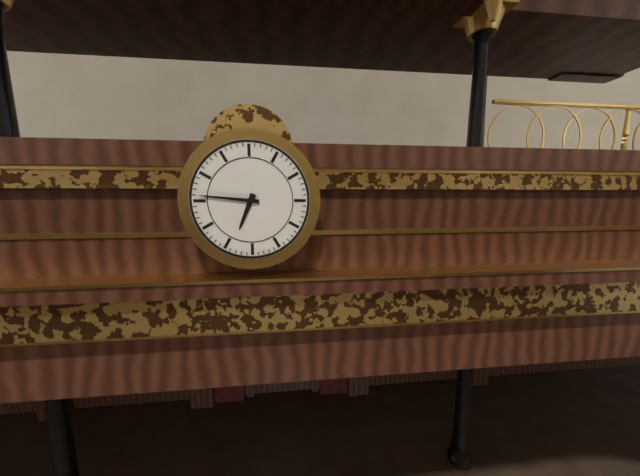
**6:46**
